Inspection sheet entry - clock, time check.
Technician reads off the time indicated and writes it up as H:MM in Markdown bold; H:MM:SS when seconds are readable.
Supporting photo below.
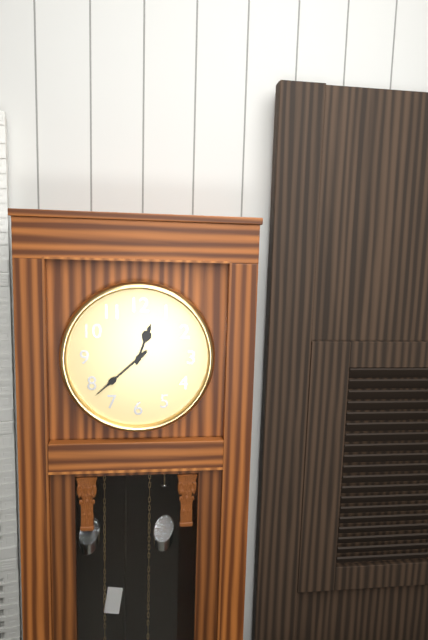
**12:38**
